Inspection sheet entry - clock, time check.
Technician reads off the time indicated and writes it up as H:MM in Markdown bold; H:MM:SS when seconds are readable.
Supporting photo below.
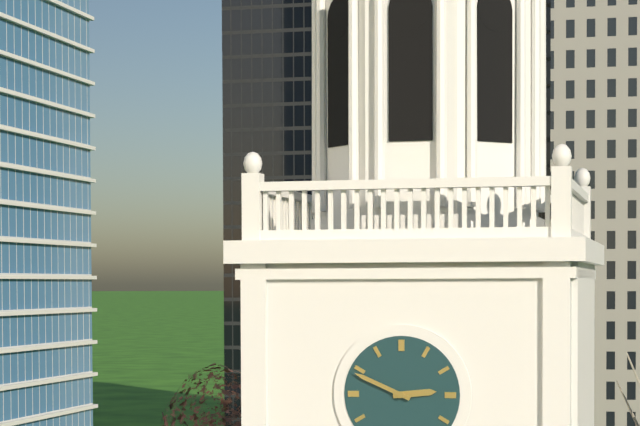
**2:49**
